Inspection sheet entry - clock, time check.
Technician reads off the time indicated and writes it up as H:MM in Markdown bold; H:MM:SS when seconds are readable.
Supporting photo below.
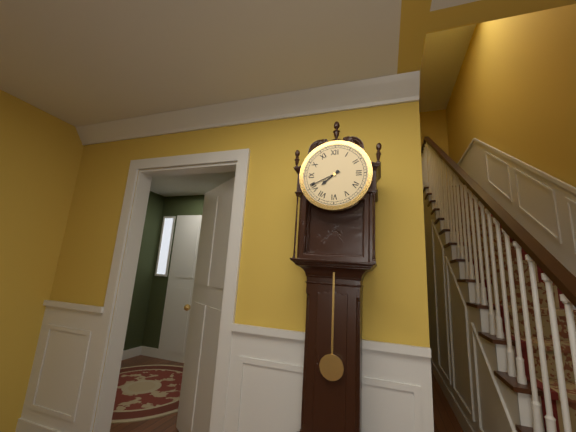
**7:41**
